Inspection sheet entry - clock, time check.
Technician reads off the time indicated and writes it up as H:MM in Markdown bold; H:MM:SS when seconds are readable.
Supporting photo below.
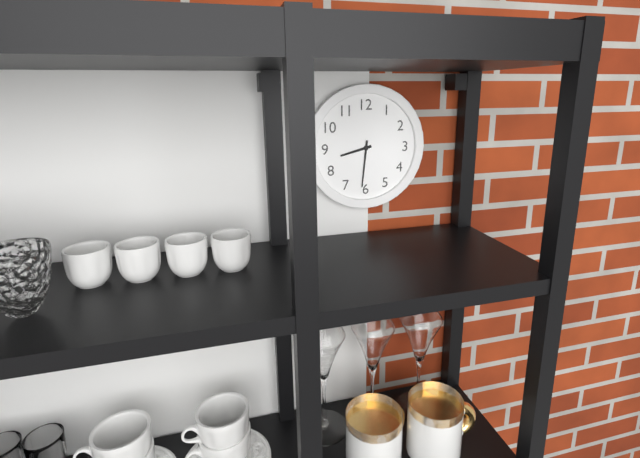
**8:31**
